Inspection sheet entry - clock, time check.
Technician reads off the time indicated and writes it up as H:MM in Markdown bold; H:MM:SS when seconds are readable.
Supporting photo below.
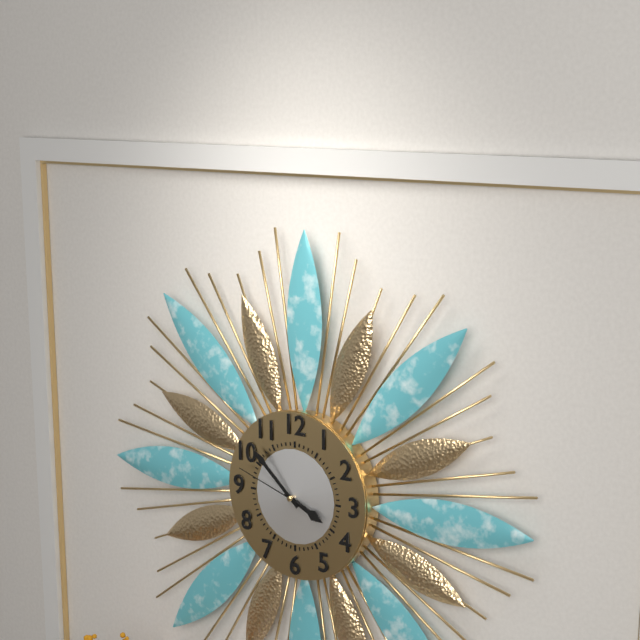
**3:52:48**
